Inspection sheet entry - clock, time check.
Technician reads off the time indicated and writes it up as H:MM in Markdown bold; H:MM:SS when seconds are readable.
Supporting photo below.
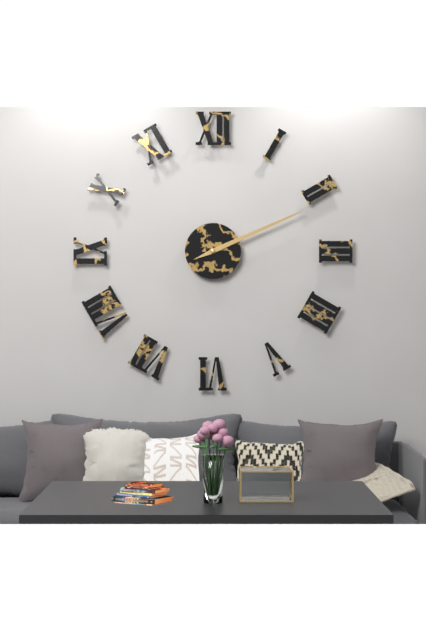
**2:11**
